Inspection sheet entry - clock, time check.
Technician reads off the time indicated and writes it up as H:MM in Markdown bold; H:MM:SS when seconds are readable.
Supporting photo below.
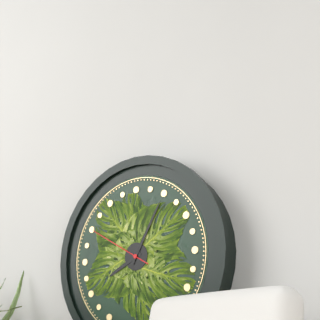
**8:05:50**
